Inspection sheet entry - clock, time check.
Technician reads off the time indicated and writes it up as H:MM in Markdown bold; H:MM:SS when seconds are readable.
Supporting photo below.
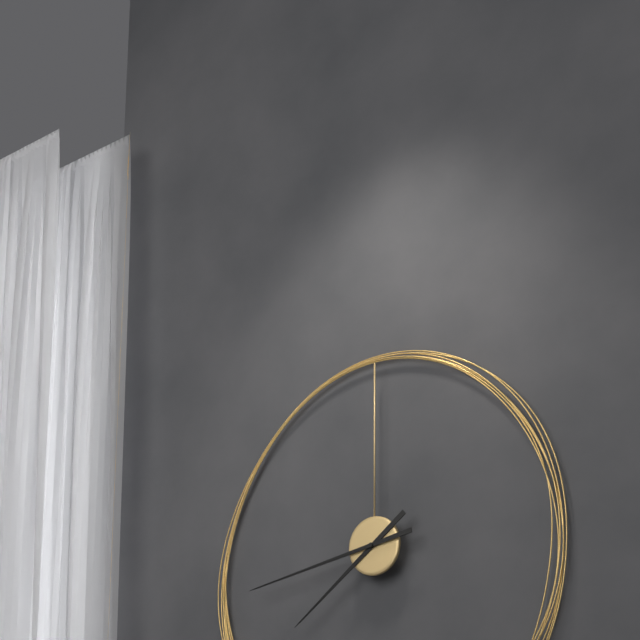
**7:43**
